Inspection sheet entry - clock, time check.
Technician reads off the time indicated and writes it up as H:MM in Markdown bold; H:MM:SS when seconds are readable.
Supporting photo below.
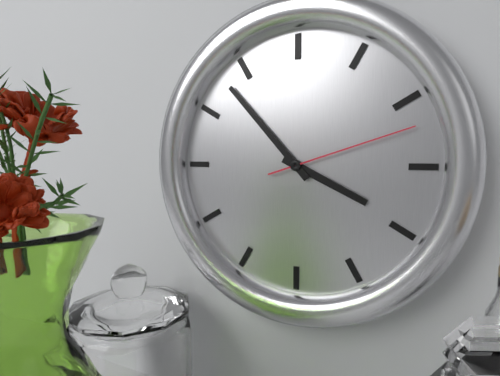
**3:53:12**
